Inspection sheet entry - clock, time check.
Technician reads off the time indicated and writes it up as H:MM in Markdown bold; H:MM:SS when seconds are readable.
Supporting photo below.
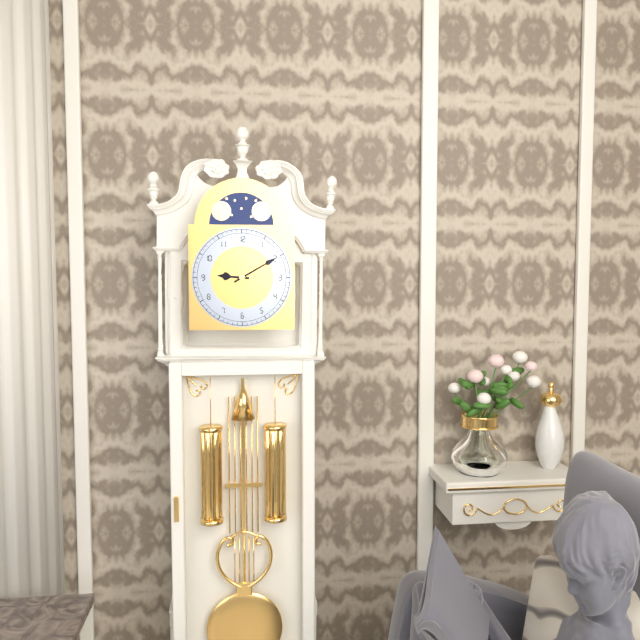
**9:10**
